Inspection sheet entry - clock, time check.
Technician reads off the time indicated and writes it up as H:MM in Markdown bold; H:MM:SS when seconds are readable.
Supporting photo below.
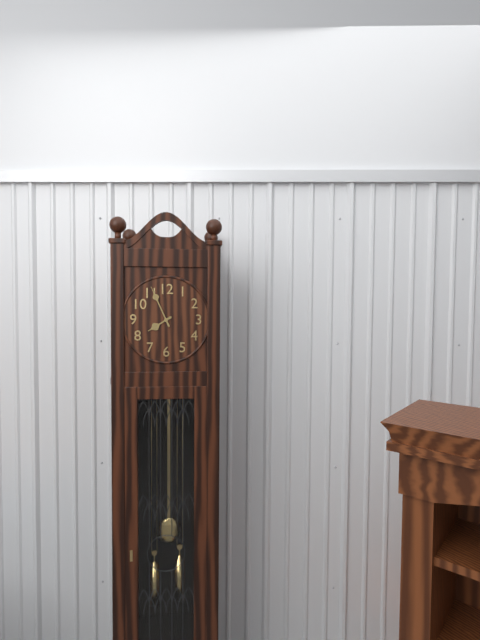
**7:56**
